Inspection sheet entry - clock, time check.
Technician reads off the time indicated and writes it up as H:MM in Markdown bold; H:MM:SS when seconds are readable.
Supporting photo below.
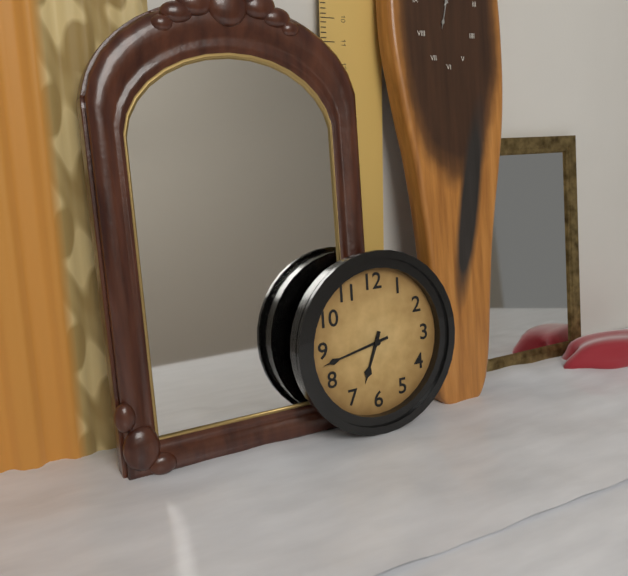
**6:43**
